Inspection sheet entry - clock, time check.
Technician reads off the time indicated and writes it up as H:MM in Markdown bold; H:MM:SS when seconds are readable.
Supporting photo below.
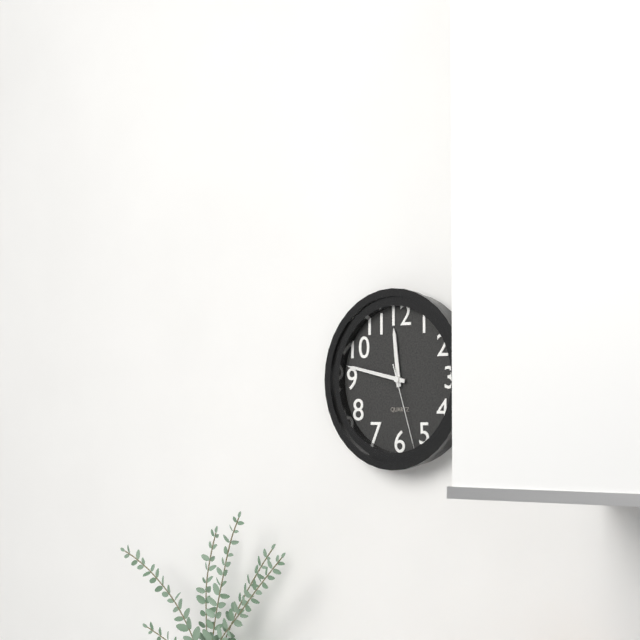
**11:47:27**
